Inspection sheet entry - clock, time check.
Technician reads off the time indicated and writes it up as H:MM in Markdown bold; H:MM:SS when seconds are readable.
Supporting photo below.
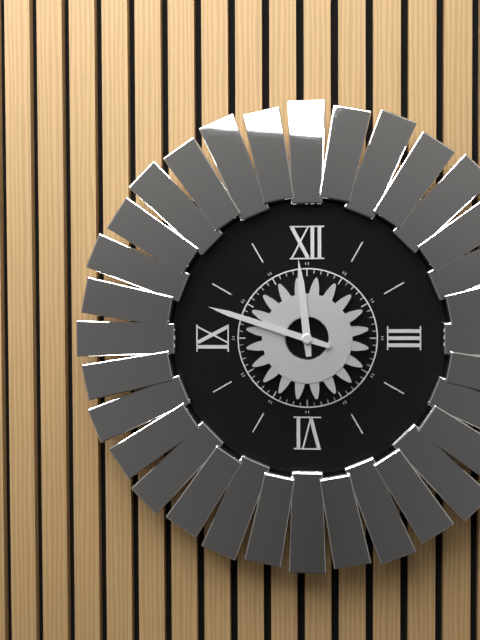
**11:48**
